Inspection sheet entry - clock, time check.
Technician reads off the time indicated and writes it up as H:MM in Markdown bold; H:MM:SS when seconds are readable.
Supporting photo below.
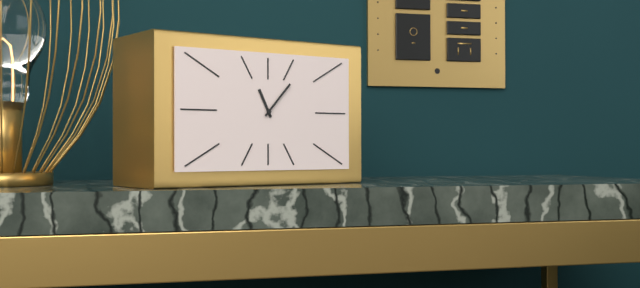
**11:07**
